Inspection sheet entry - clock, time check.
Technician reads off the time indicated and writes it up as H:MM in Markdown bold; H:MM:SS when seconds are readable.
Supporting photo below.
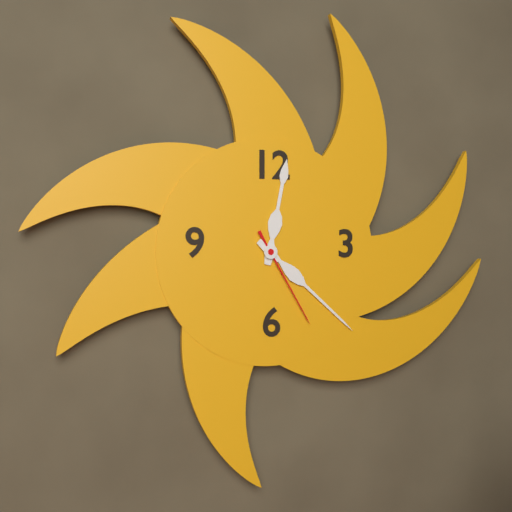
**12:22:25**
